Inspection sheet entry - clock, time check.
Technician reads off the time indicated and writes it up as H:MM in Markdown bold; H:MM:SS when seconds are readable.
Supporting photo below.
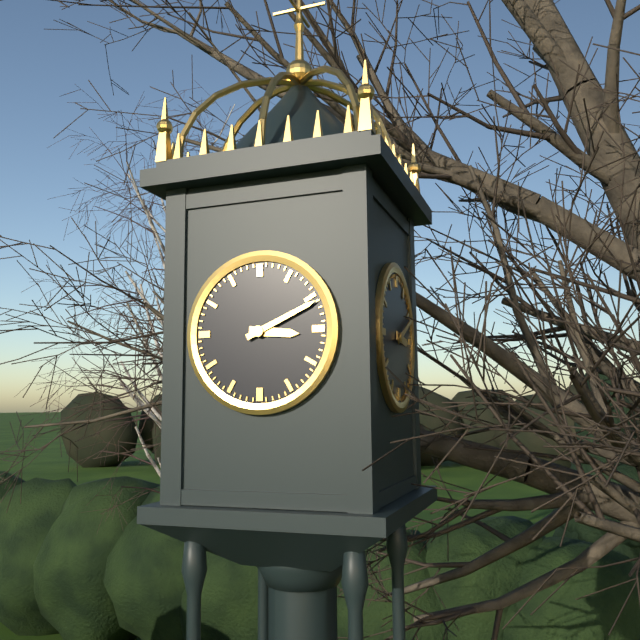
**3:11**
